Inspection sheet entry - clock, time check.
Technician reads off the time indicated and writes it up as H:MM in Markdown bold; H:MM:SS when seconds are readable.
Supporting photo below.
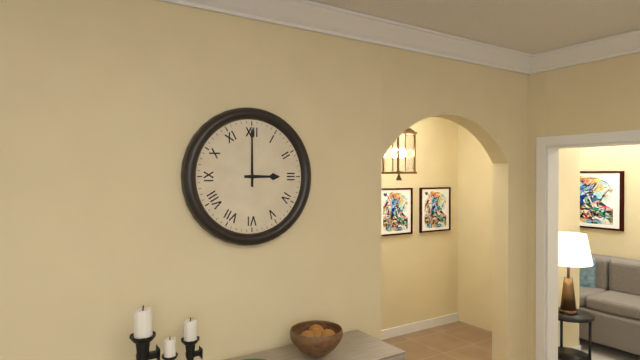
**3:00**
